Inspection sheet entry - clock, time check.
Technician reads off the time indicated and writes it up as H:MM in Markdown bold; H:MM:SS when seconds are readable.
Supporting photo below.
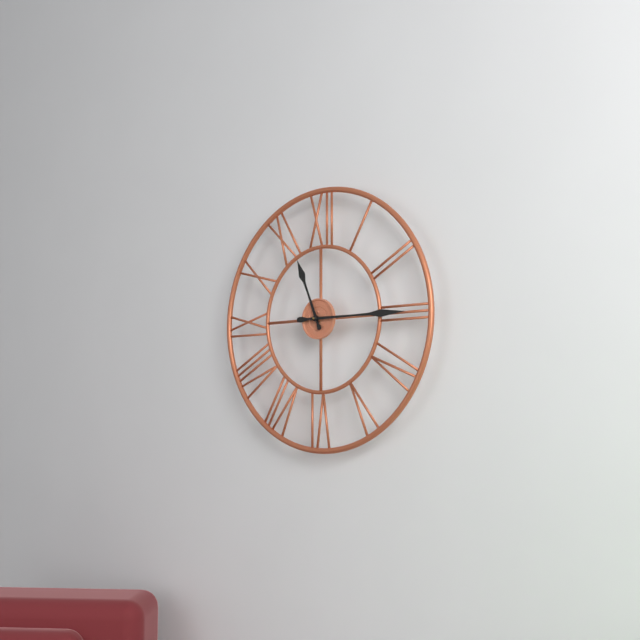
**11:15**
